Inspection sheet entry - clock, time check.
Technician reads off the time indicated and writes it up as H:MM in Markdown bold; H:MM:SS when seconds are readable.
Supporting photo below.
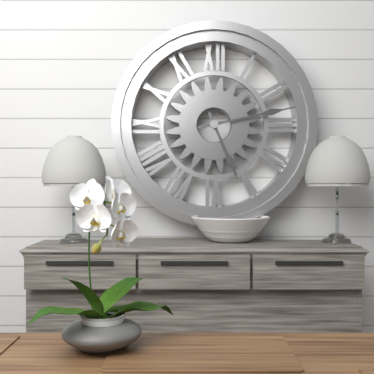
**5:13**
